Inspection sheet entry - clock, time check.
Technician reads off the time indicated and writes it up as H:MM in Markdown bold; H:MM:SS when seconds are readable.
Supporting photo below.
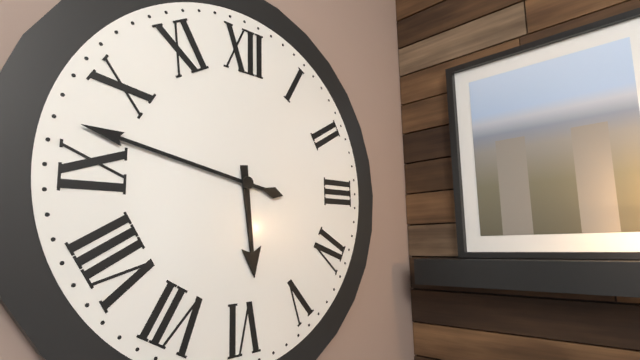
**5:47**
